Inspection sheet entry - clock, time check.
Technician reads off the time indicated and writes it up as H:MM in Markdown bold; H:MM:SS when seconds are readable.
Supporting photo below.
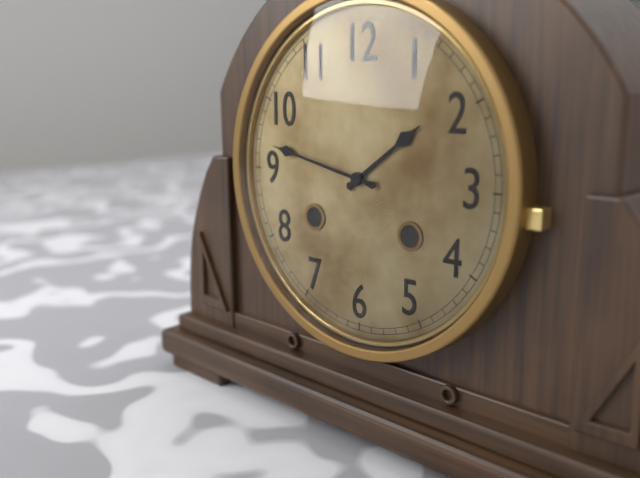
**1:47**
